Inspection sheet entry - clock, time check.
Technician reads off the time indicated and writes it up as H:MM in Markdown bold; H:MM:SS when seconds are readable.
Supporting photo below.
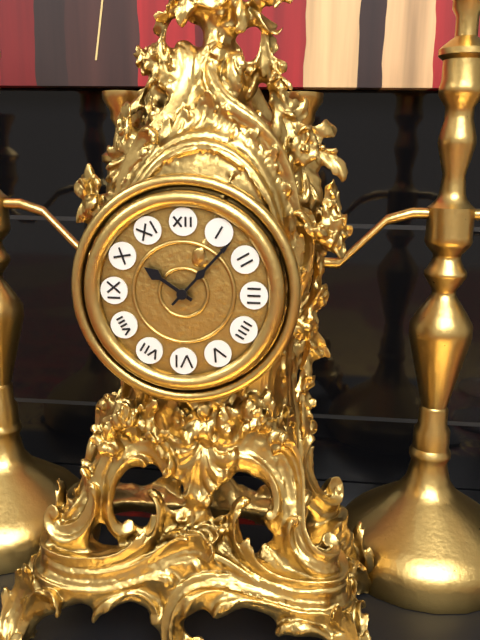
**10:07**
